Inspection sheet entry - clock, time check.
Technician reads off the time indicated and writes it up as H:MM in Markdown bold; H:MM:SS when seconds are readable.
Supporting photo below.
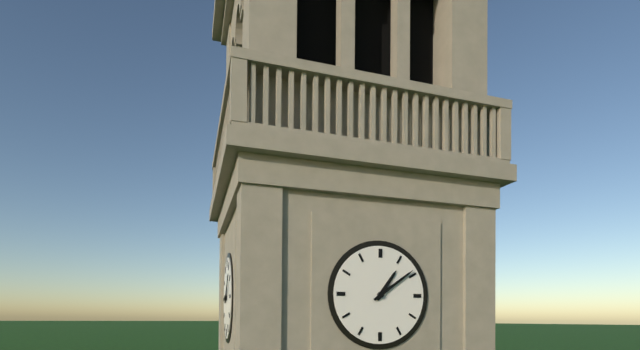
**1:09**
